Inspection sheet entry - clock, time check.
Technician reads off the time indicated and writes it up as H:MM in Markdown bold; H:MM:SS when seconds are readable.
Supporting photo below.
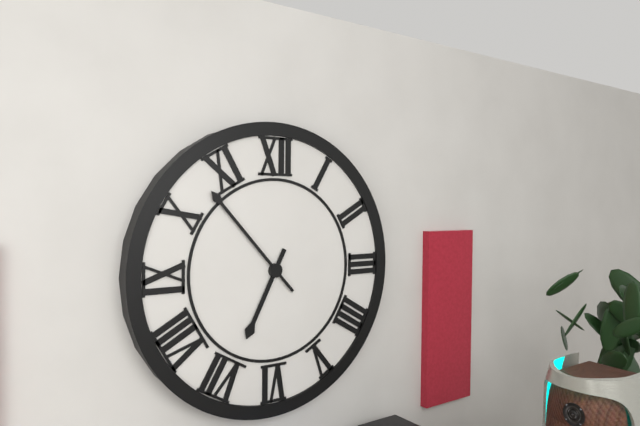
**6:53**
